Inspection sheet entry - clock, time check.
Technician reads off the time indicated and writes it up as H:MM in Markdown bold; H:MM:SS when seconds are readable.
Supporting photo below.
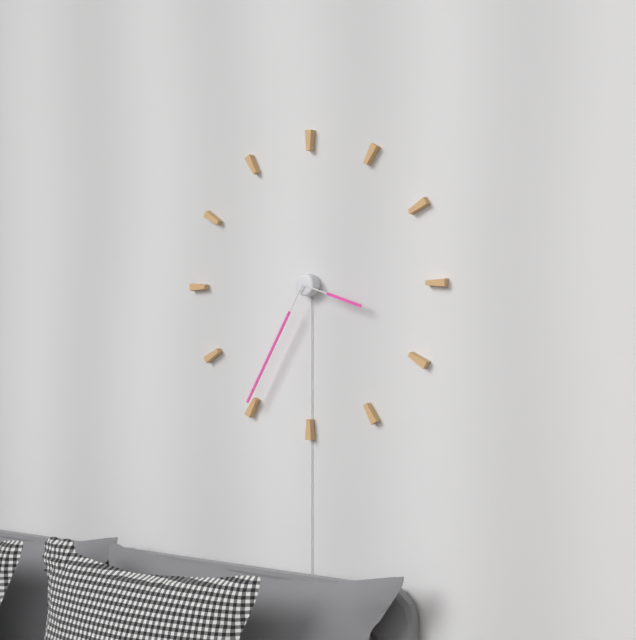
**3:35**
